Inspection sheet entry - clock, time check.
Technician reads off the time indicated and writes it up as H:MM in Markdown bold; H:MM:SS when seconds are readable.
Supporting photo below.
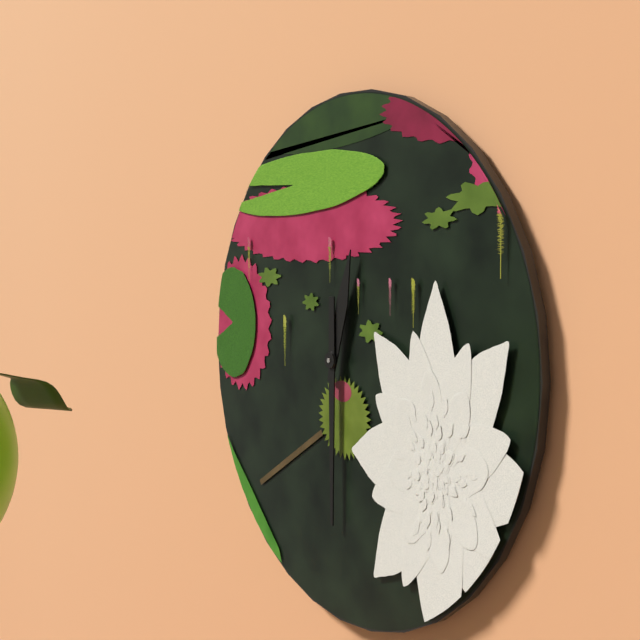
**12:30**
